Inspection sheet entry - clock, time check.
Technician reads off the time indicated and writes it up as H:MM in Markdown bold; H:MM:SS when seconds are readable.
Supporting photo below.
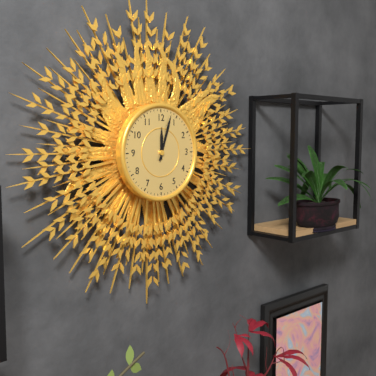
**12:03**
